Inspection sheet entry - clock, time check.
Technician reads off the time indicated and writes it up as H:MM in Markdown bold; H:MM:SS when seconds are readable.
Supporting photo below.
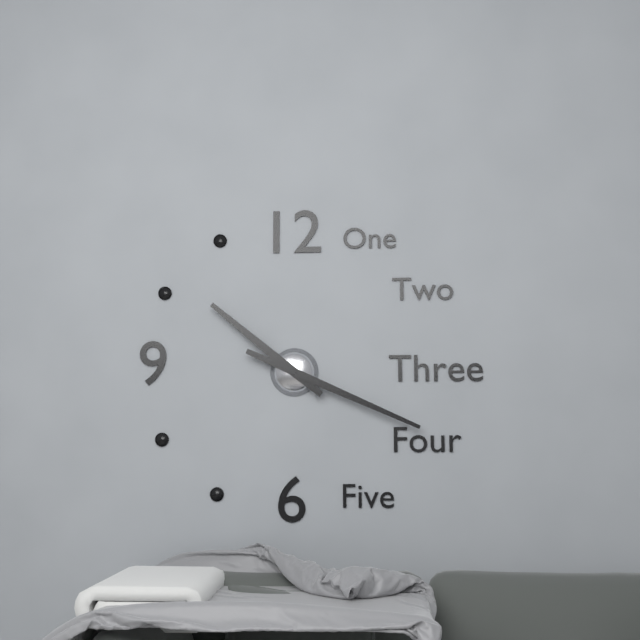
**10:19**
